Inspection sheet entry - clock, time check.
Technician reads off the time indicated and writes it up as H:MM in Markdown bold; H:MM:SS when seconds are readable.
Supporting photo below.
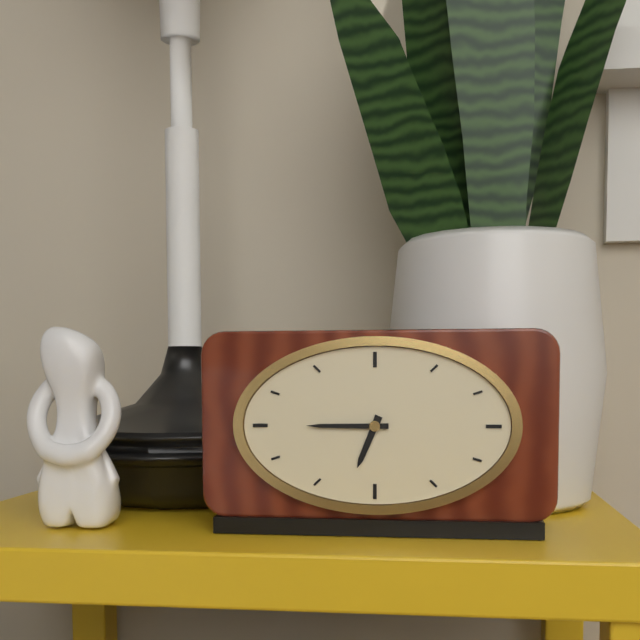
**6:45**
